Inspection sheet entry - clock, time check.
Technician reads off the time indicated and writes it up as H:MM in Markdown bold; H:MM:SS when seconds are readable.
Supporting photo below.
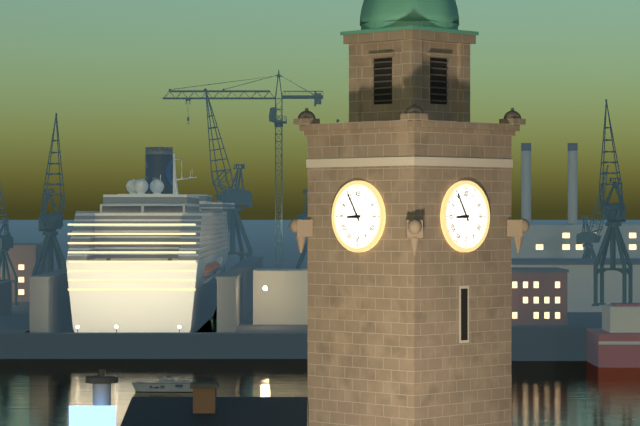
**8:55**
